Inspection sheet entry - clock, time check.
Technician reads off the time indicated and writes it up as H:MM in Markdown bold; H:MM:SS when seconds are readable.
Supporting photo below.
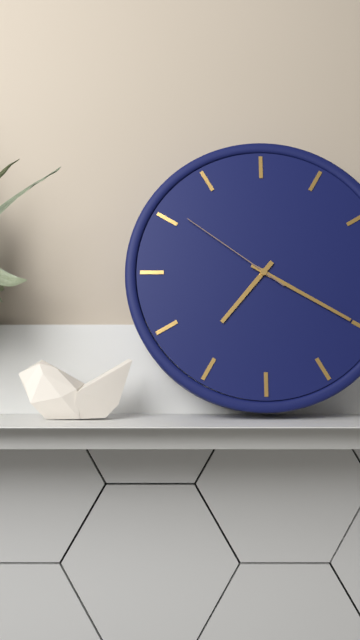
**7:20:51**
